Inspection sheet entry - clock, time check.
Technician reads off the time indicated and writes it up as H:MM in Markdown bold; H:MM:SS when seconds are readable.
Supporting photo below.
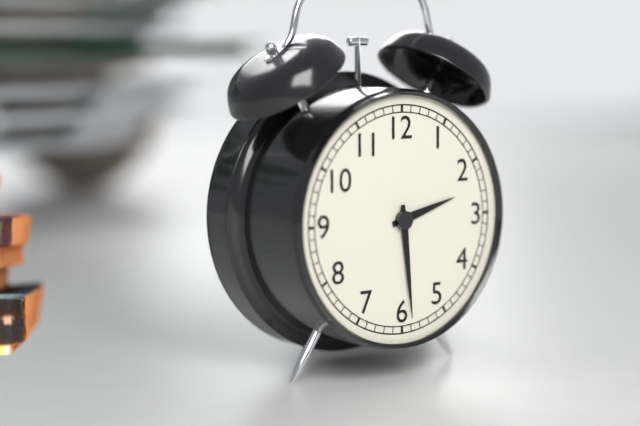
**2:29**
